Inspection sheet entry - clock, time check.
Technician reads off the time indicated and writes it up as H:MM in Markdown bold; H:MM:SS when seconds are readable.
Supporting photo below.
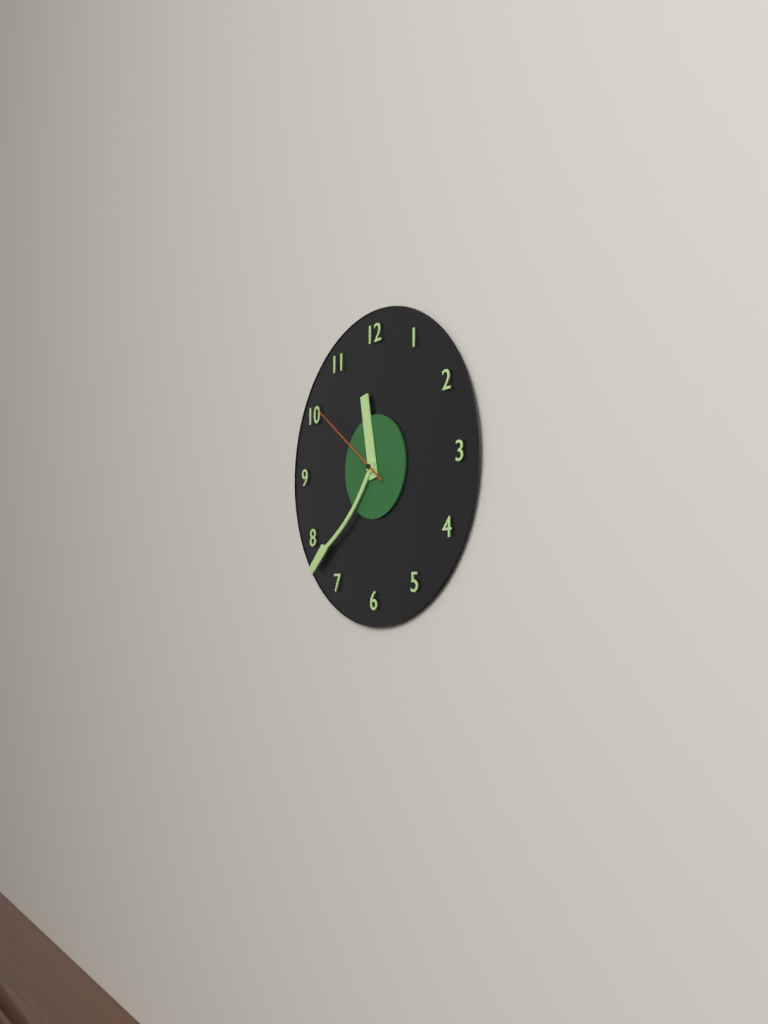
**11:38:51**
